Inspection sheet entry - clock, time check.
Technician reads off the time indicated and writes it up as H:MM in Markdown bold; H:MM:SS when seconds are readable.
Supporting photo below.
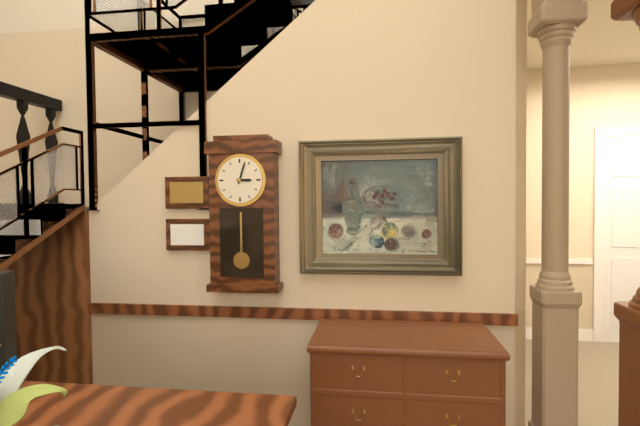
**3:03**
